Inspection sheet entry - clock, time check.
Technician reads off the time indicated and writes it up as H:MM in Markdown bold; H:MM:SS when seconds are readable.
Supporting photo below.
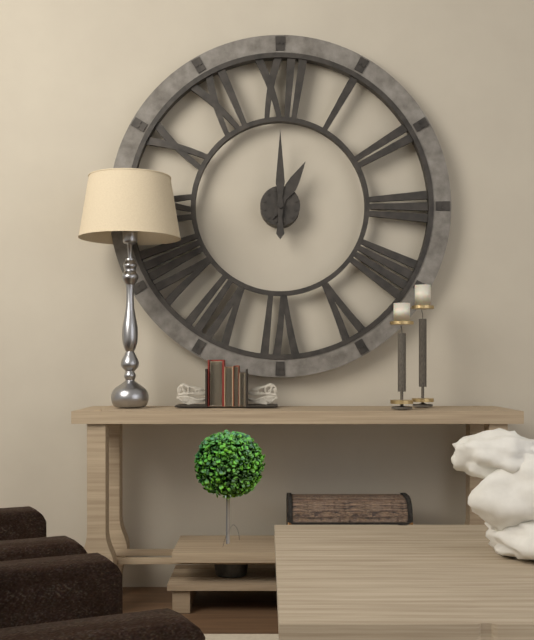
**1:00**
